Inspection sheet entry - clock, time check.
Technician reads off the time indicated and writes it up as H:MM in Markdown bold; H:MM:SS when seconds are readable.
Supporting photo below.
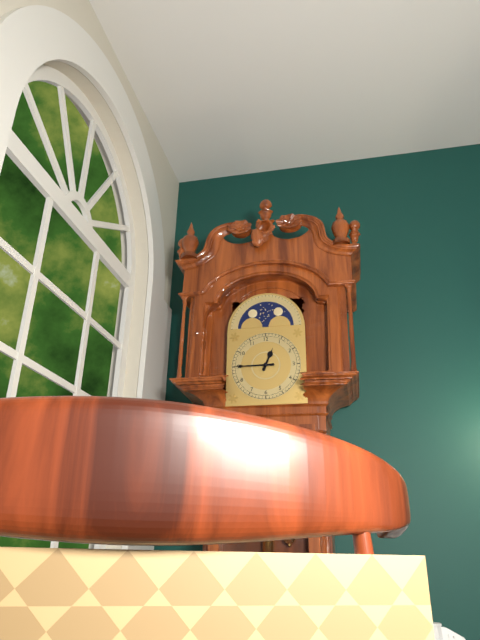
**12:45**
